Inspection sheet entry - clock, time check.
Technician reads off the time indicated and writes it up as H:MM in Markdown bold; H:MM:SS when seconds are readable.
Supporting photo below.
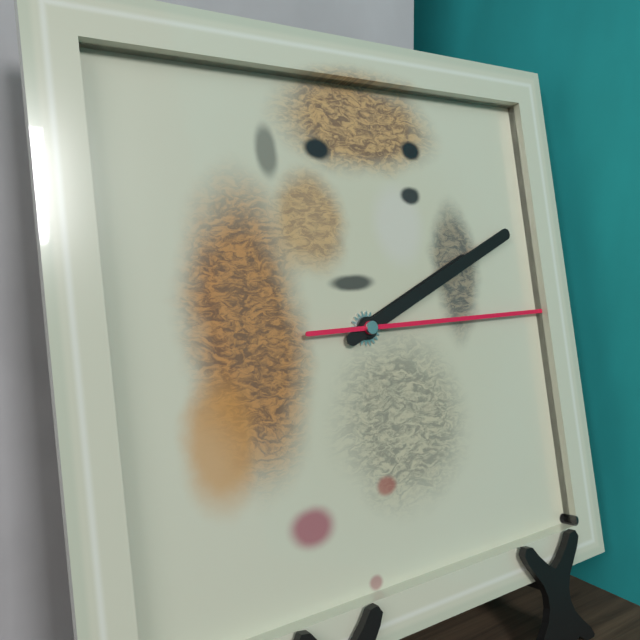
**2:11:15**
